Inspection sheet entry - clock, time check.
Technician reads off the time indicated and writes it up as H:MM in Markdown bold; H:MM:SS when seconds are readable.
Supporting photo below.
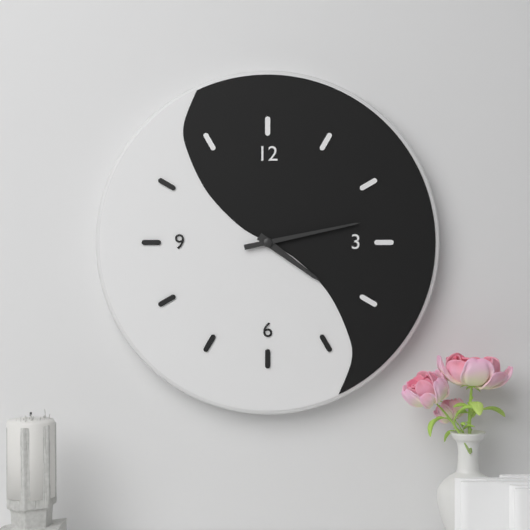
**4:13**
